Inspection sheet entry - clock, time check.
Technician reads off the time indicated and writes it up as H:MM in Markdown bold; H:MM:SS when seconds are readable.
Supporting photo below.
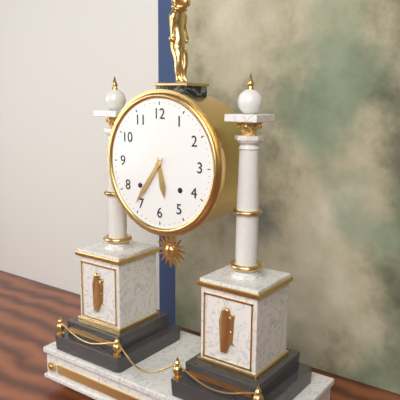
**5:36**
